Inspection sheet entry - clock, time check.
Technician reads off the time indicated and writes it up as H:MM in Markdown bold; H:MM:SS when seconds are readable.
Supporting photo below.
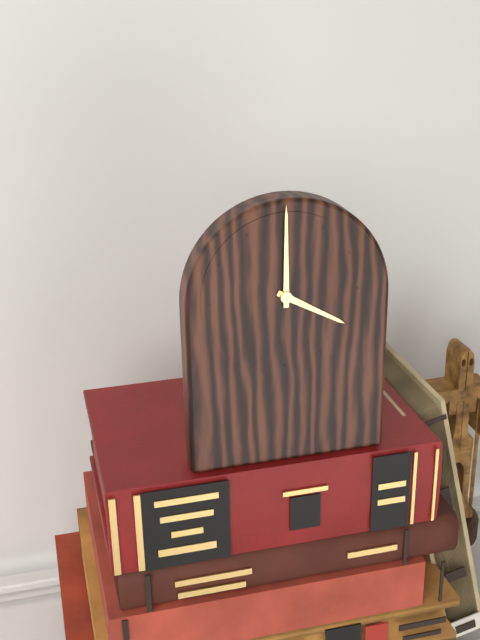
**4:00**
